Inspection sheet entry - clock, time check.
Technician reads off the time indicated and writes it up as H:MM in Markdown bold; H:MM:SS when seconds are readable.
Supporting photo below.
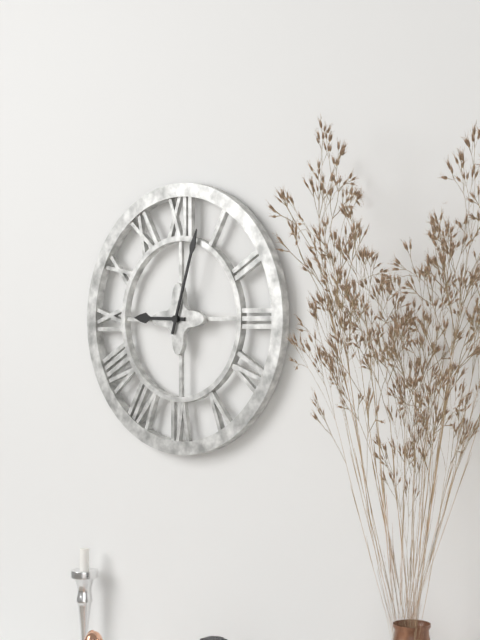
**9:03**
